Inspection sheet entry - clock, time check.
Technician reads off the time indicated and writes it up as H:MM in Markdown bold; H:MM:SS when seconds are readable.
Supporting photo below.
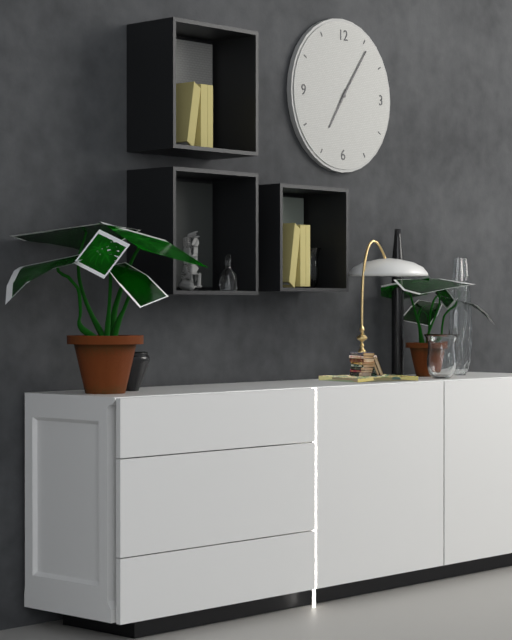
**7:06**
